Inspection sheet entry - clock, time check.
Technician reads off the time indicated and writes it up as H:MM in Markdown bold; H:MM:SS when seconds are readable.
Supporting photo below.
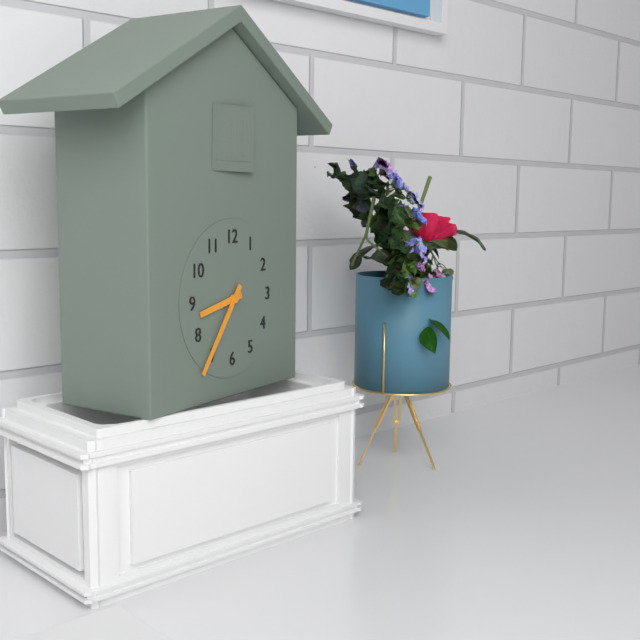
**8:36**
